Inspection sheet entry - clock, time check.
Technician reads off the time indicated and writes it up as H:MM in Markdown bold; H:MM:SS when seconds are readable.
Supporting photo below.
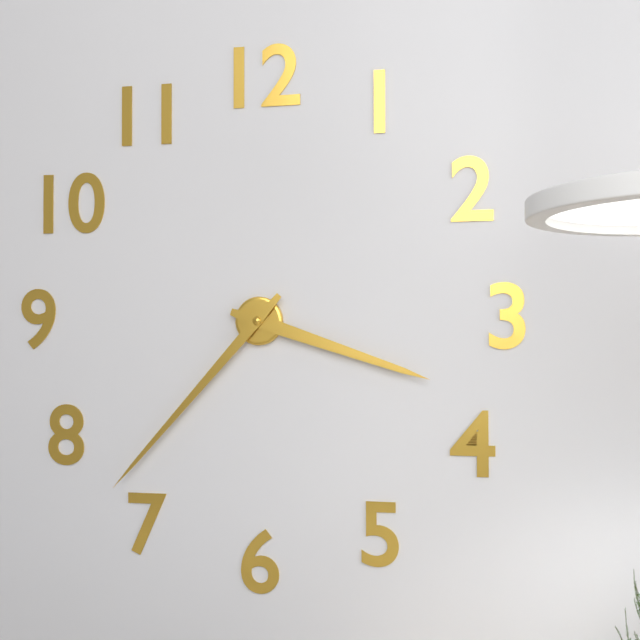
**3:37**
